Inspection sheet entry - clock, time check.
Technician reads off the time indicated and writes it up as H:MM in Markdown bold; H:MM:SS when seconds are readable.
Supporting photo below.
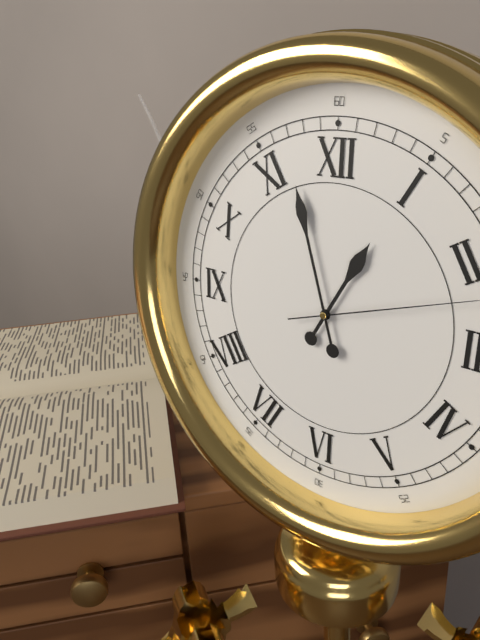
**12:57**
